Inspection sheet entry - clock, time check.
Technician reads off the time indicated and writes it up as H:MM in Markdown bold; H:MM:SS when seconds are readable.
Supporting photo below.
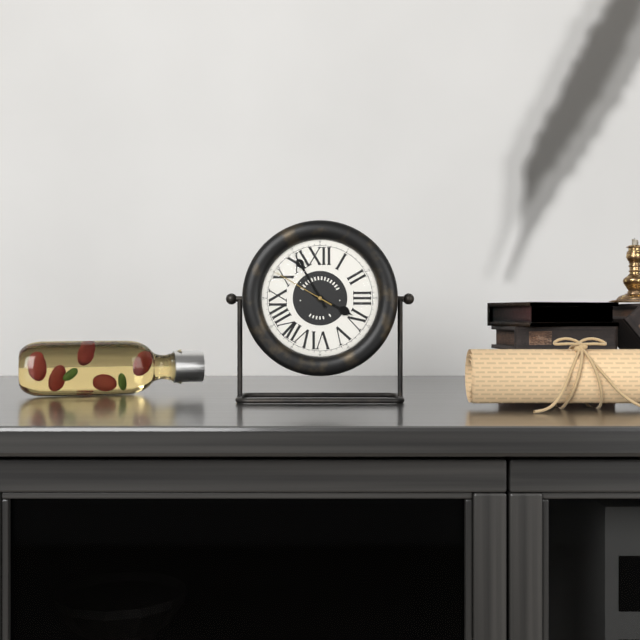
**3:55:50**
